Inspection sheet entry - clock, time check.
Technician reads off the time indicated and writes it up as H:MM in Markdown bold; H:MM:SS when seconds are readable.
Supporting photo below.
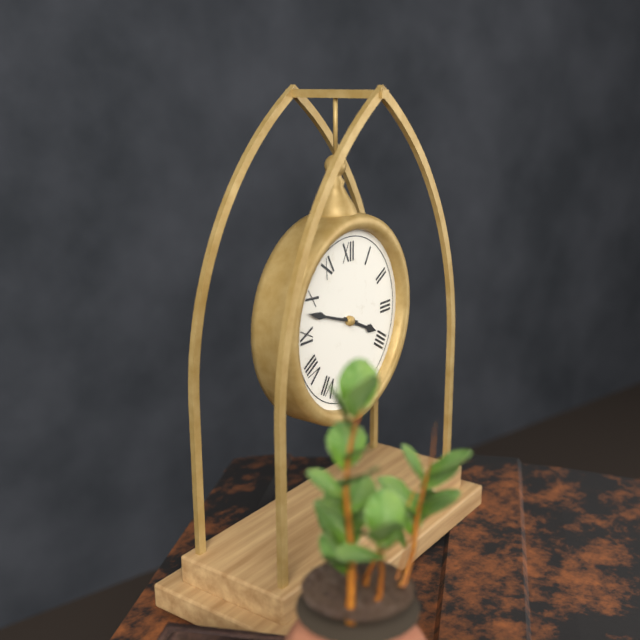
**3:48**
